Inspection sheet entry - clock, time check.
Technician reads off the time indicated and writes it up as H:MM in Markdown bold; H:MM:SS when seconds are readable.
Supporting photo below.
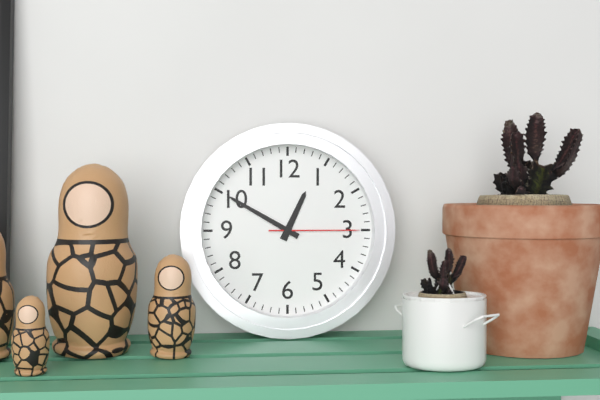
**12:50:15**
